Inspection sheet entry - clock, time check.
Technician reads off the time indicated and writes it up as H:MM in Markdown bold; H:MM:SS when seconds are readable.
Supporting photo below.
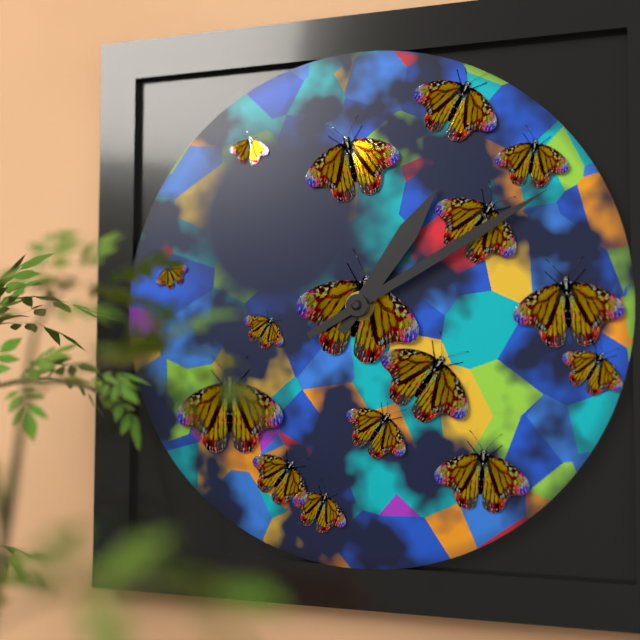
**1:10**
